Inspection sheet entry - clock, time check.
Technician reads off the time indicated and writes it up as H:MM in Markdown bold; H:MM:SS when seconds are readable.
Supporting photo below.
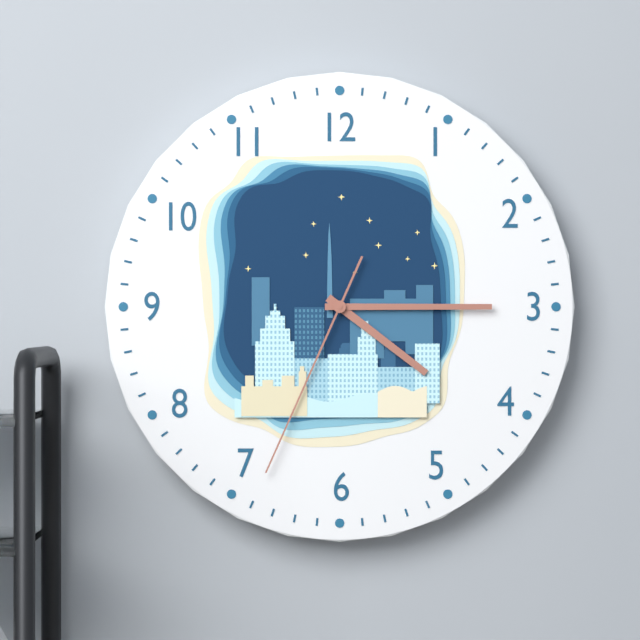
**4:15:34**
